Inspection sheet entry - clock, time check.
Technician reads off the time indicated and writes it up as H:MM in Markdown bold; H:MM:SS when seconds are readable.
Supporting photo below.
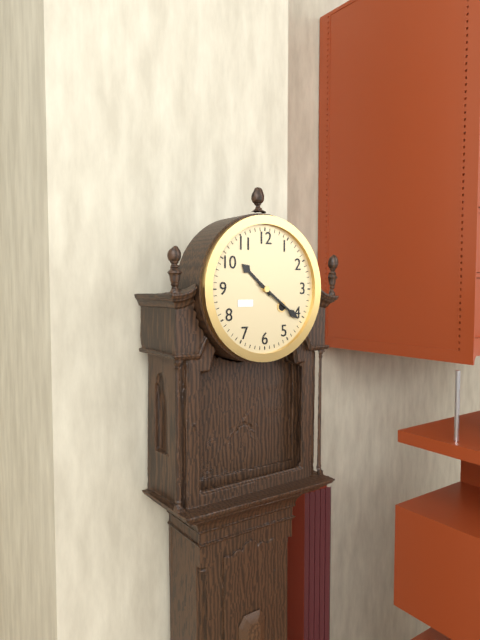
**10:21**
